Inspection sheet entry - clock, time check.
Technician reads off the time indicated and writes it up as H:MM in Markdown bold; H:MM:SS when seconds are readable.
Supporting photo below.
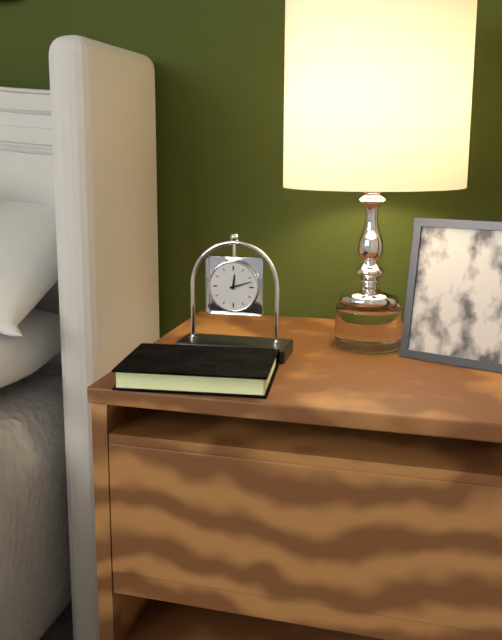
**12:12**
